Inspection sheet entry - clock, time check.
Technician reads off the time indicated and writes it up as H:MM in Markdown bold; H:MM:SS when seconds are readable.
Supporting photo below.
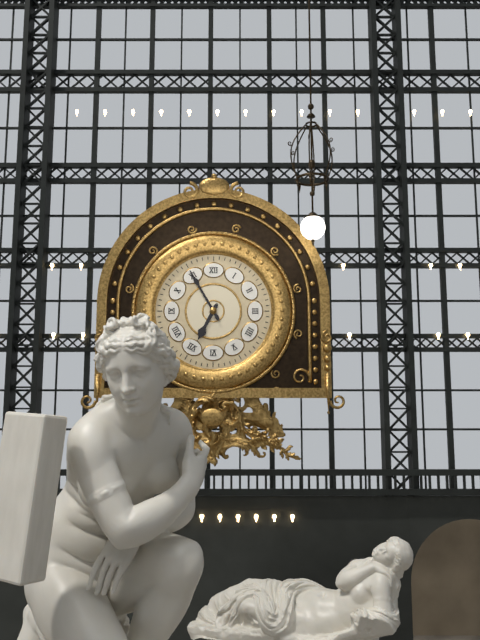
**6:55**
